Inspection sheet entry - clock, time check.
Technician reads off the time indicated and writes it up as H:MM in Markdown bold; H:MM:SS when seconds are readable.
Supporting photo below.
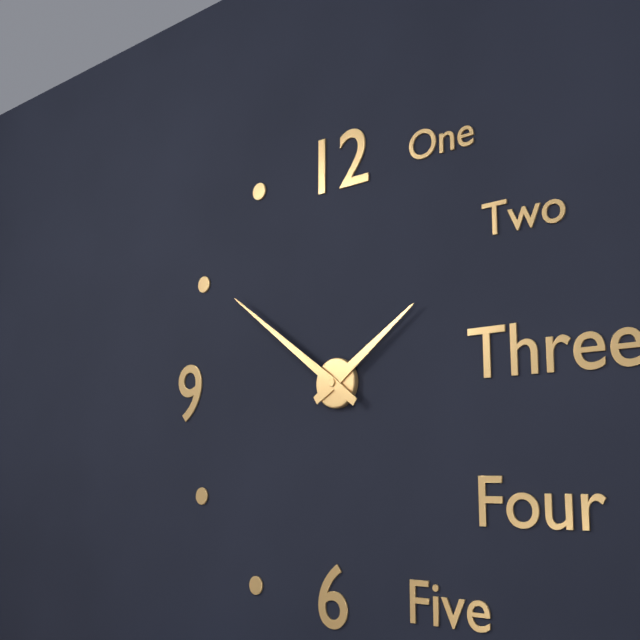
**1:51**
